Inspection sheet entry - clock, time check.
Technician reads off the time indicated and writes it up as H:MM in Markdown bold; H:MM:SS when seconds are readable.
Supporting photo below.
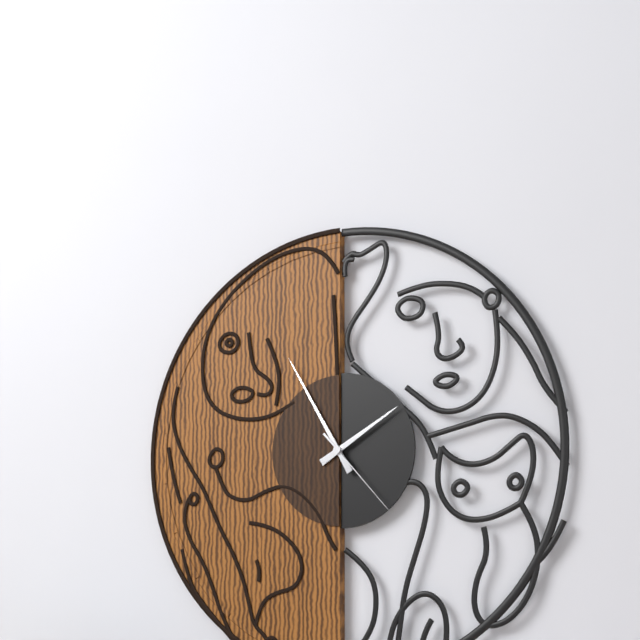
**1:55:23**
